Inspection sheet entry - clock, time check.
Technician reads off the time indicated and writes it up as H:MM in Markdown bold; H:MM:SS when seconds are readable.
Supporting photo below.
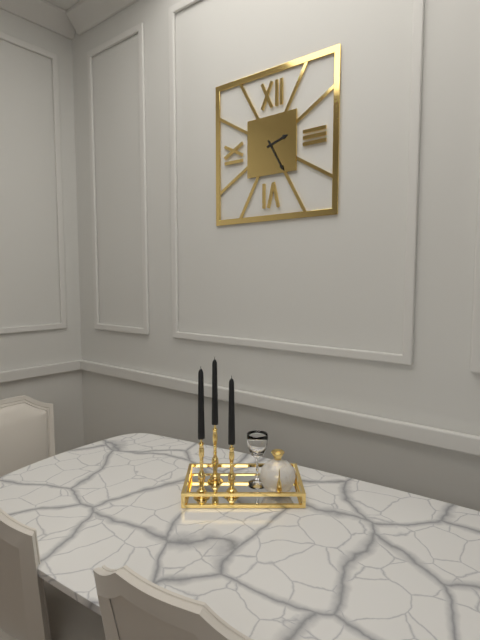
**2:25**
